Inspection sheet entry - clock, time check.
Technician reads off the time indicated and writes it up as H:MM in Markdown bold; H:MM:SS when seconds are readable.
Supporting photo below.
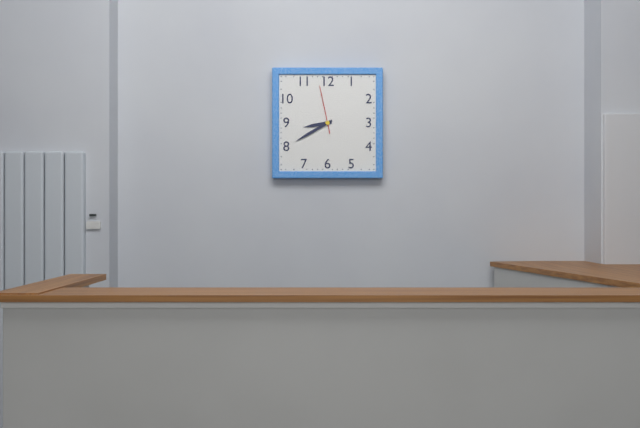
**8:40**
